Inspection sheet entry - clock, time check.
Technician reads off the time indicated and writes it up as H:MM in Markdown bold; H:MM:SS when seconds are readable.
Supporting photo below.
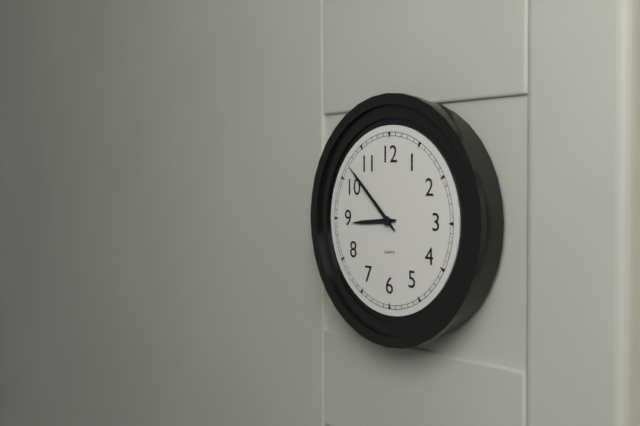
**8:52**
